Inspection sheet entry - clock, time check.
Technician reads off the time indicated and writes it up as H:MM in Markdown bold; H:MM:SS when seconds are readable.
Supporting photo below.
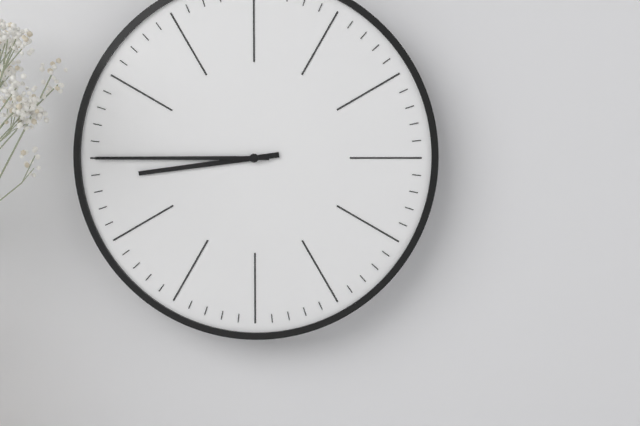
**8:45**
